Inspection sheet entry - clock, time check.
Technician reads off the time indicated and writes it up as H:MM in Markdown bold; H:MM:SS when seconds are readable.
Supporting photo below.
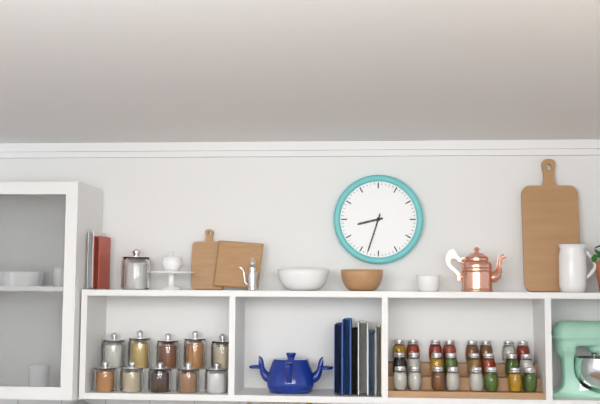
**8:33**
